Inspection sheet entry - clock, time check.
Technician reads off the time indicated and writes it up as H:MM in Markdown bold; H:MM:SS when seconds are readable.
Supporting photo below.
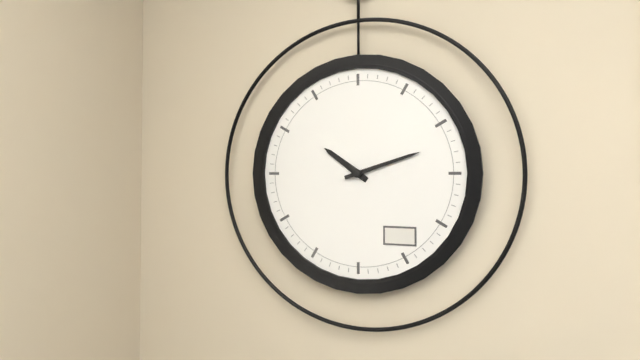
**10:12**
